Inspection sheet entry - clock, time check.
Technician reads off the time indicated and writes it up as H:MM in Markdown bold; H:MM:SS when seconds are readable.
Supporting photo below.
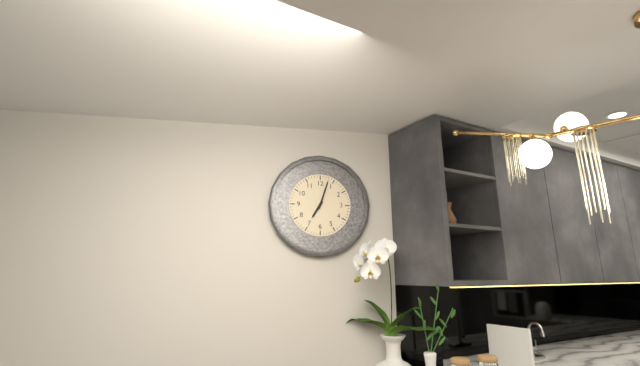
**7:03**
